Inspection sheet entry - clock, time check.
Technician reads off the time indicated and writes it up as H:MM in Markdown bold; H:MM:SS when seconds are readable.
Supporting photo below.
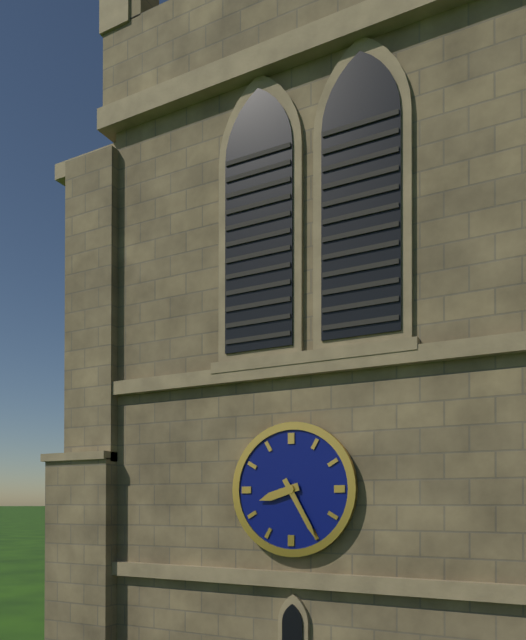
**8:25**
